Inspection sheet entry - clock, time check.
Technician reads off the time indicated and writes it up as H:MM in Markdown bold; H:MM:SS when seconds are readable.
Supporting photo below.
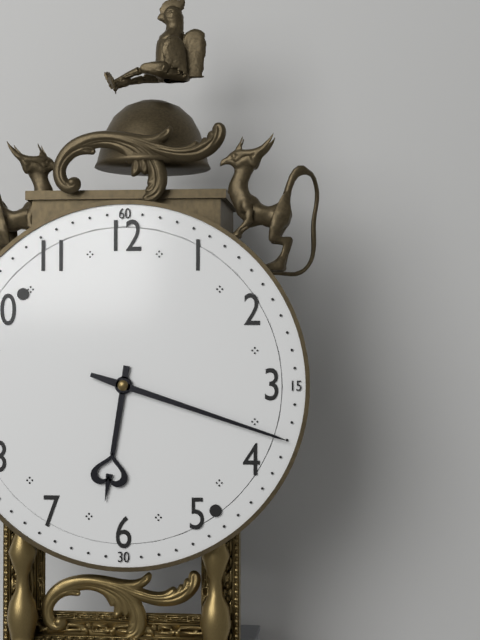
**6:18**
